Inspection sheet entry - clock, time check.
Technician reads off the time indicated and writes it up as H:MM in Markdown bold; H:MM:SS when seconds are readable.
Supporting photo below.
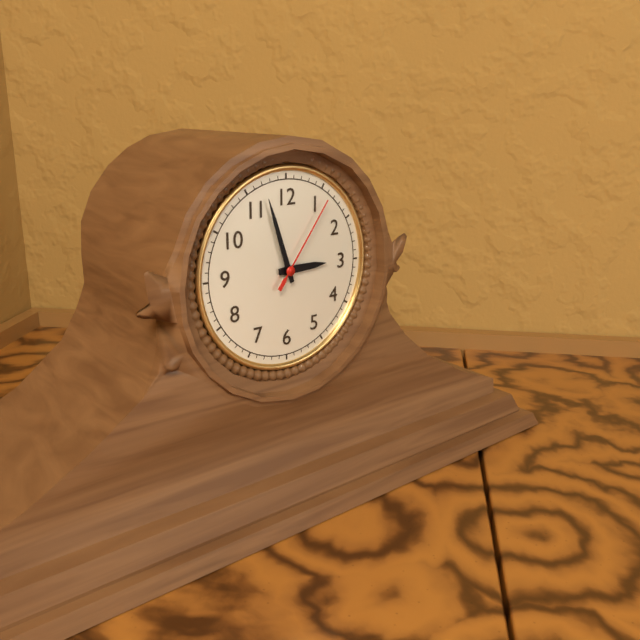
**2:57:06**
